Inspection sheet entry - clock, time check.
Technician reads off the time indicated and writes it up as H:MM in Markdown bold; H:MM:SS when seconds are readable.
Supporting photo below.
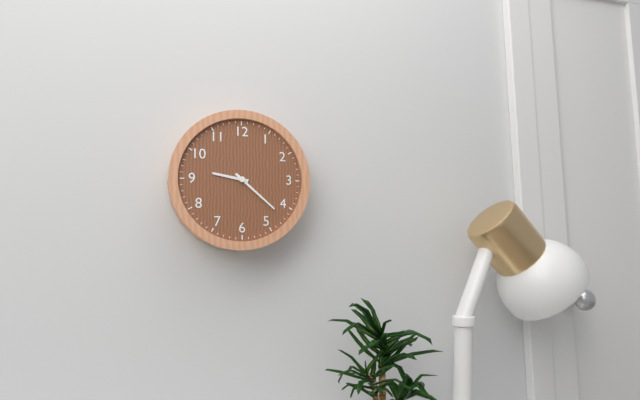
**9:22**
